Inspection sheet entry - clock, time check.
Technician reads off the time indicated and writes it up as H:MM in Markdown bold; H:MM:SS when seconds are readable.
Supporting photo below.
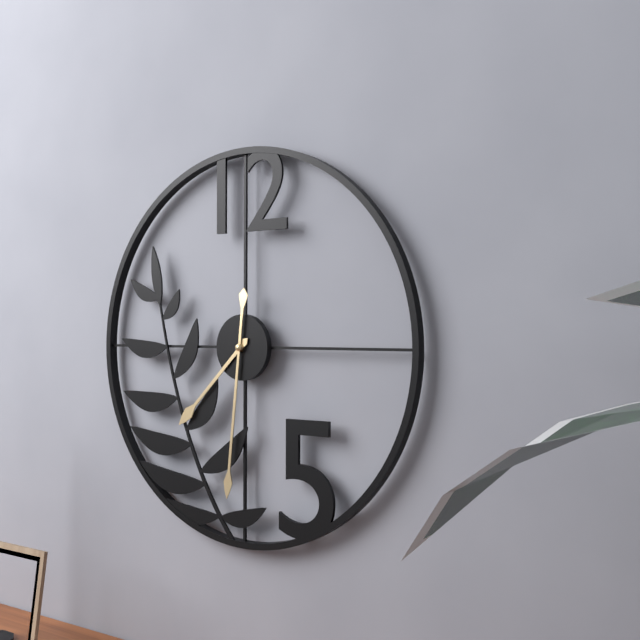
**7:31**
